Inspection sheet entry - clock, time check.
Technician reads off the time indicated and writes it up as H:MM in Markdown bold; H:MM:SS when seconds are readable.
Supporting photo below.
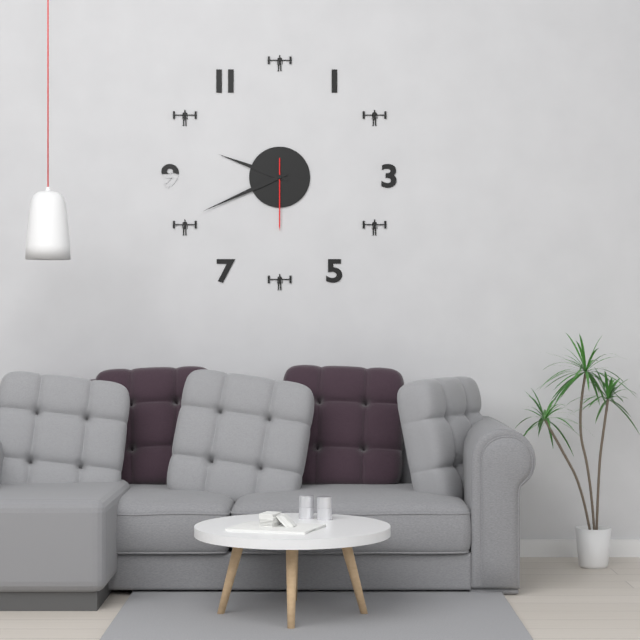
**9:41:30**
